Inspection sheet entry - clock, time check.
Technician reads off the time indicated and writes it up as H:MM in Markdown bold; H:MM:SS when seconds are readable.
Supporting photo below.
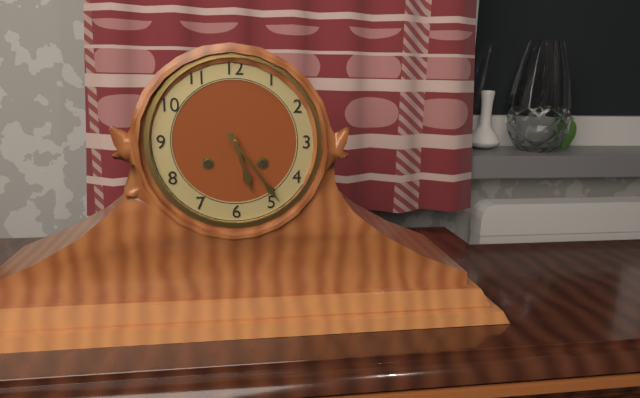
**5:24**
